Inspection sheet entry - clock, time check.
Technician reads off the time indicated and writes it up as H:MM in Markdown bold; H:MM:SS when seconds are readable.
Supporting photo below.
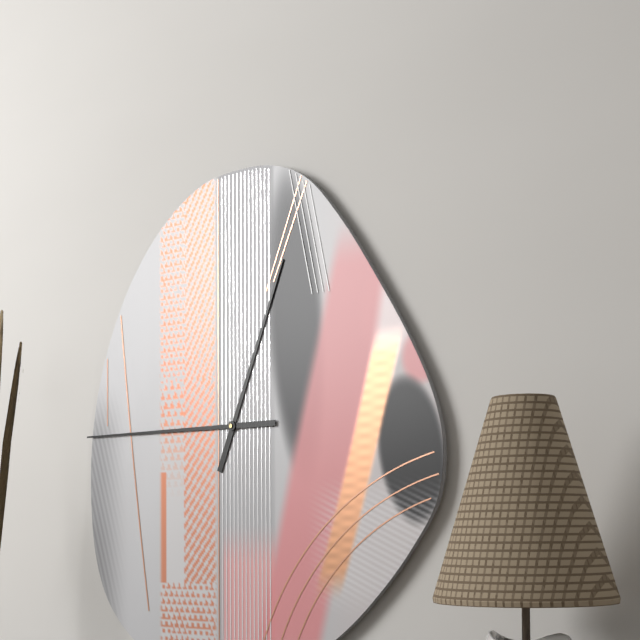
**12:45**
